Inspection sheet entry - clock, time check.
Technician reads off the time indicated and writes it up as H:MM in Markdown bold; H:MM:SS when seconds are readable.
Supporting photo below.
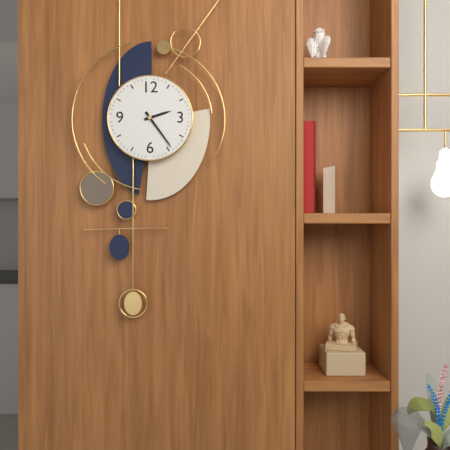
**2:24**
